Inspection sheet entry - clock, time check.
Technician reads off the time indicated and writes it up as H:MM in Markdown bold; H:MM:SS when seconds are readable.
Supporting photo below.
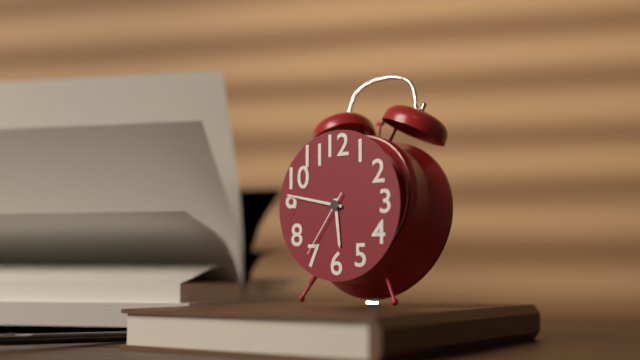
**5:47:36**
